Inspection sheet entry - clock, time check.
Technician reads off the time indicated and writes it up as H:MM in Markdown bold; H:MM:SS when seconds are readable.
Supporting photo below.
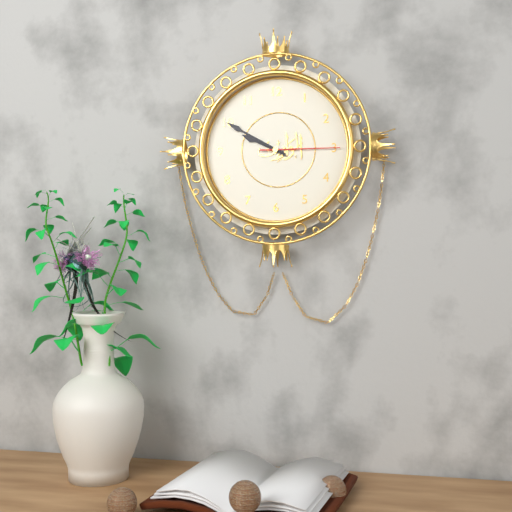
**9:50:15**
